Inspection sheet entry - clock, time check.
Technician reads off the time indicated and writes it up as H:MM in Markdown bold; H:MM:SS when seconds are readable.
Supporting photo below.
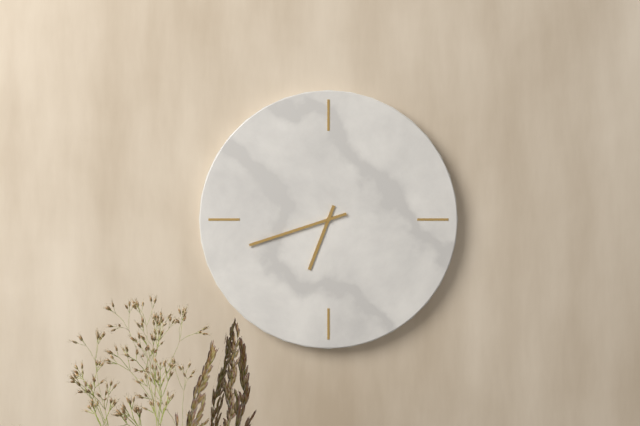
**6:42**
